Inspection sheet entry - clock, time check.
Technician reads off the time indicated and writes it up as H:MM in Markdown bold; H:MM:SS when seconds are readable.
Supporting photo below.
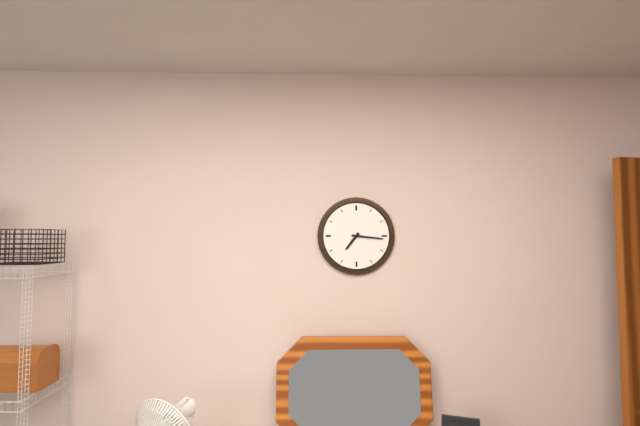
**7:16**
